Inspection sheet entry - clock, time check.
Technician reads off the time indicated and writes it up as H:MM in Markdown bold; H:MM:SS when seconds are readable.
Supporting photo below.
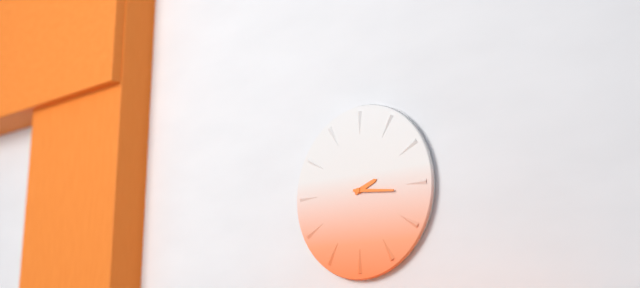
**2:16**
